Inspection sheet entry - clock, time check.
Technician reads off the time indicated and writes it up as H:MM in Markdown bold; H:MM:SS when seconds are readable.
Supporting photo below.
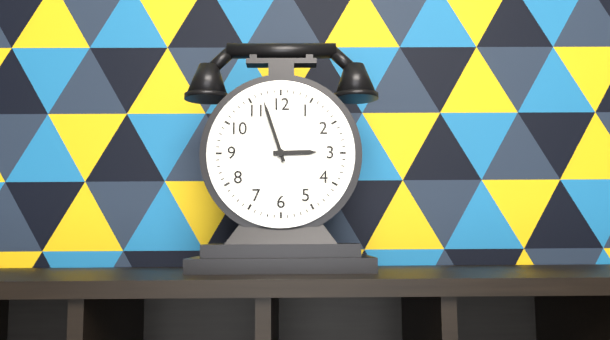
**2:57**
